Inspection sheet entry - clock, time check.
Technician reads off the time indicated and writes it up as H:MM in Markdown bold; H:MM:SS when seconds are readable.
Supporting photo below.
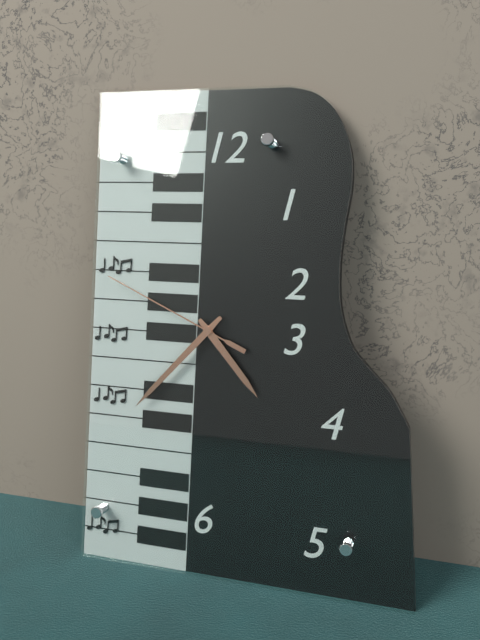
**4:37:49**
